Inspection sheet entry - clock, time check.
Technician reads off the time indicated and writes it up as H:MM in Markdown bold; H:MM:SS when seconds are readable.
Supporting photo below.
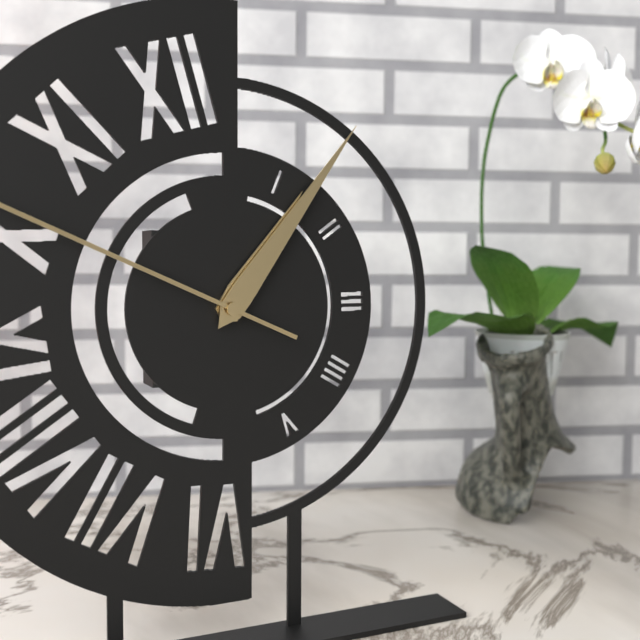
**1:06**
